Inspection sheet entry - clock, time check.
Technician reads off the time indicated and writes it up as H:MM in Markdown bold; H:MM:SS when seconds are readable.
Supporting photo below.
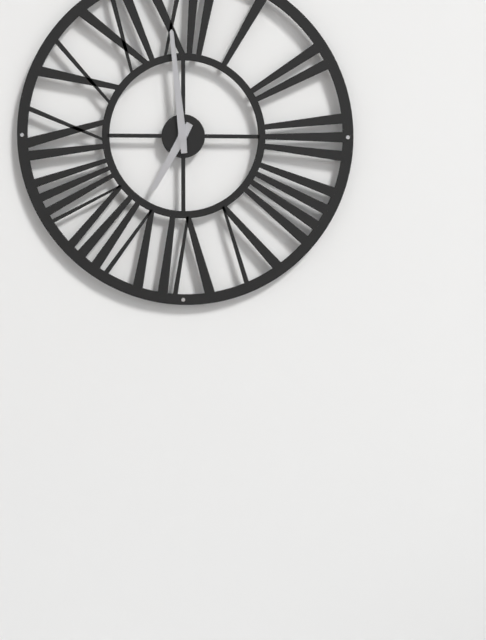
**6:59**
